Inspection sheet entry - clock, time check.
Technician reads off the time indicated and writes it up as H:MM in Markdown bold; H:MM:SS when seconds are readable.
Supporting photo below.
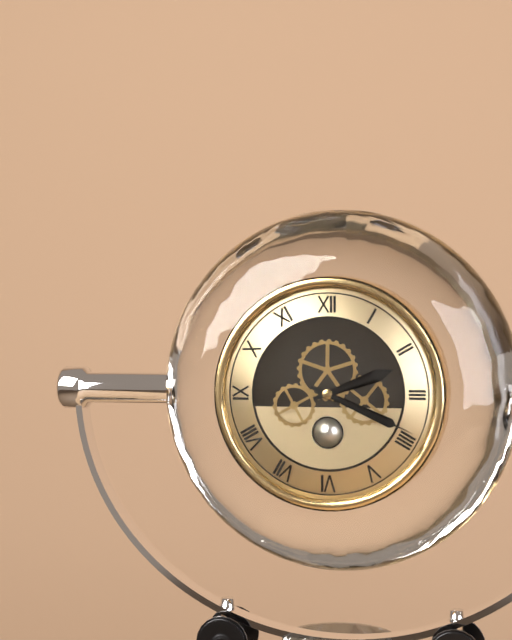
**2:19**
